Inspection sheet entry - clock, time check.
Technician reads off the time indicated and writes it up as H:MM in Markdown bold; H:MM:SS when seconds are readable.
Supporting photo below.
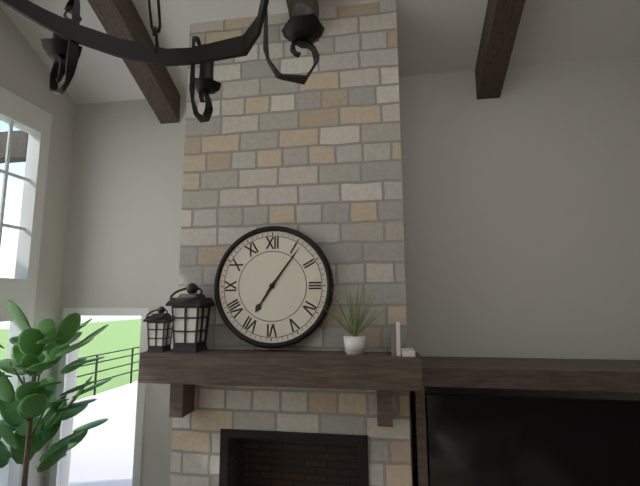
**7:06**
